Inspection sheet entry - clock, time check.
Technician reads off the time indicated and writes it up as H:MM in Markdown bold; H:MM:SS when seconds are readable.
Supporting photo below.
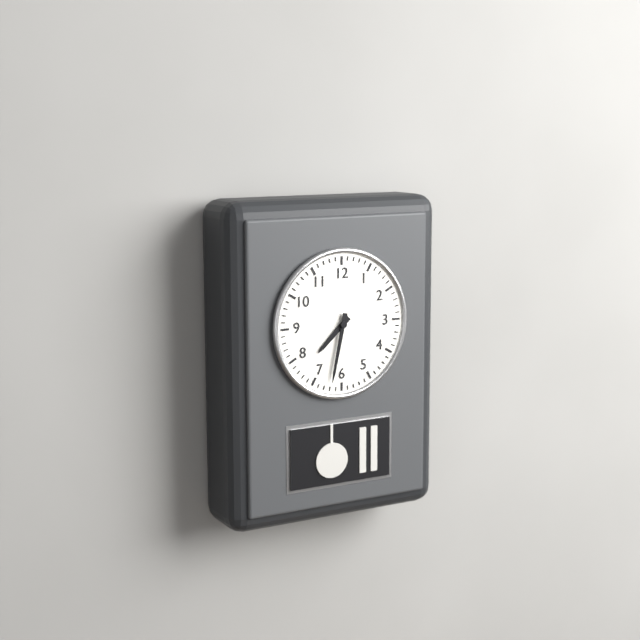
**7:32**
